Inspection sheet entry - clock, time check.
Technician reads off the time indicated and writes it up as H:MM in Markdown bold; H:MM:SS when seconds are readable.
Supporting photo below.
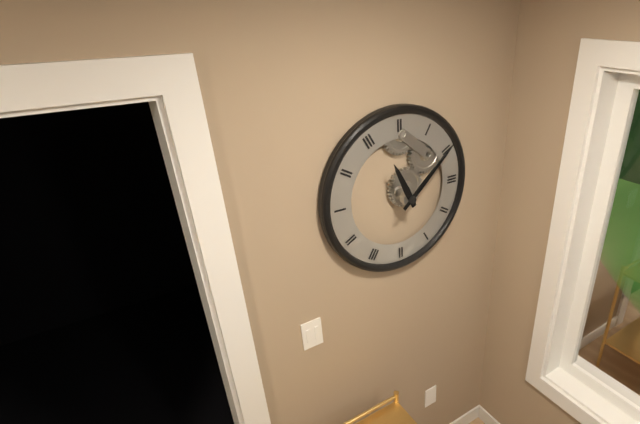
**11:08**
